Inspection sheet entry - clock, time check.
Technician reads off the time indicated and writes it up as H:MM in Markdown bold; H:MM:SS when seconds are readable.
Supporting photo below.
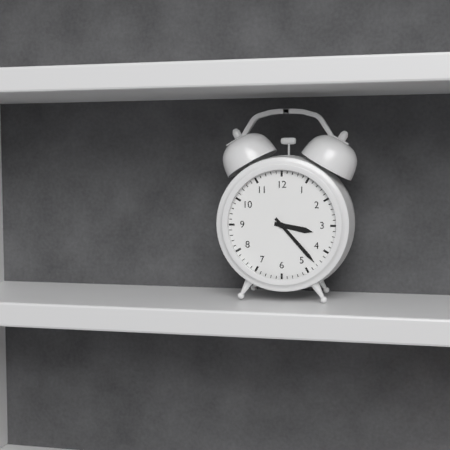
**3:23**
